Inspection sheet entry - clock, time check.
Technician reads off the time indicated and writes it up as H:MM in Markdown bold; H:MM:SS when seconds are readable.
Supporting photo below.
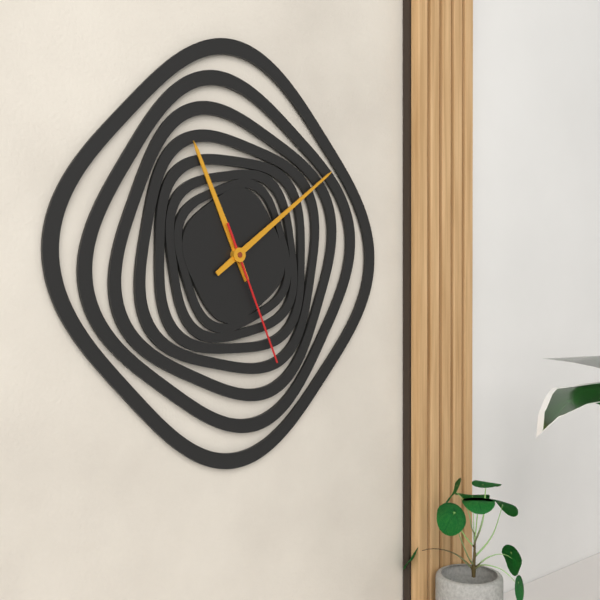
**11:09:26**
